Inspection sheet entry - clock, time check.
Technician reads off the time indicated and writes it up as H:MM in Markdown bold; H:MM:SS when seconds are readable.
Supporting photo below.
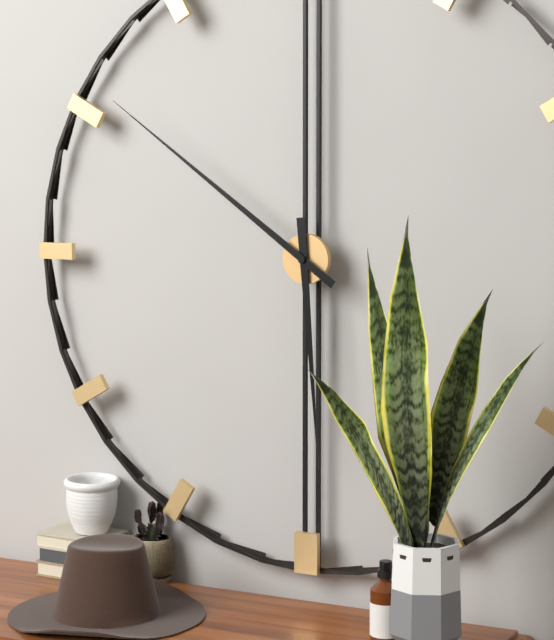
**5:51**
